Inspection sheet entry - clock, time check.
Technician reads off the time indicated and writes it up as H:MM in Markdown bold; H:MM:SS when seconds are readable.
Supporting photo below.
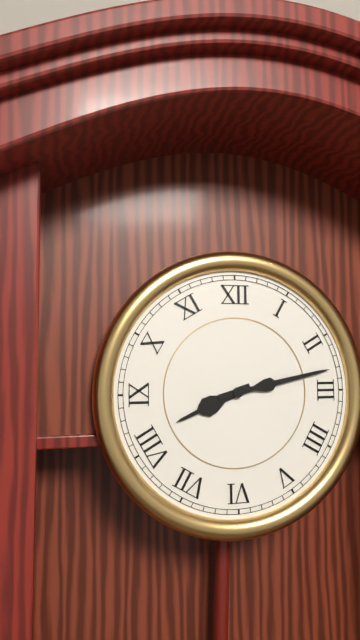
**8:13**
